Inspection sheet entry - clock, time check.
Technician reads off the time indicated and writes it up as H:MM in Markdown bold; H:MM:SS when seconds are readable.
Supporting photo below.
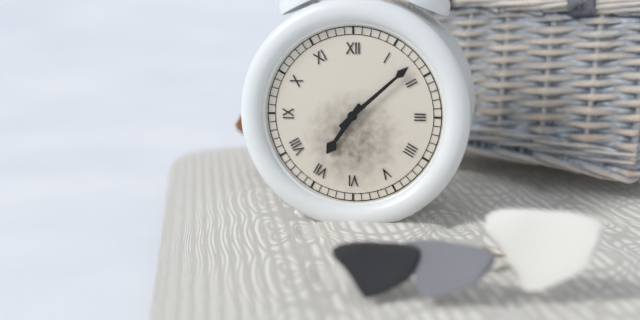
**7:08**
